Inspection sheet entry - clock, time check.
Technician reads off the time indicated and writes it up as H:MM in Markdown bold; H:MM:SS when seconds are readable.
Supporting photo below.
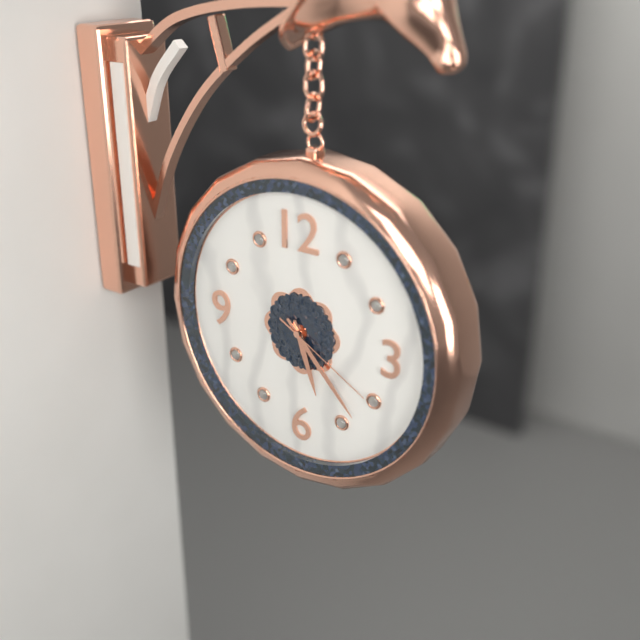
**5:23:20**
